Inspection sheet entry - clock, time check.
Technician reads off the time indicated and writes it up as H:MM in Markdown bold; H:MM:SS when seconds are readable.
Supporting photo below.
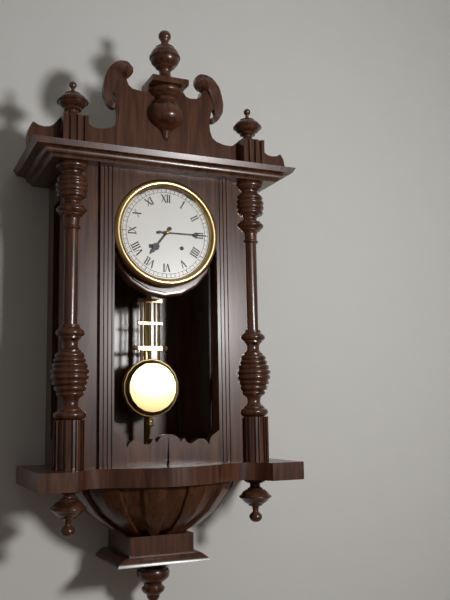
**7:15**
